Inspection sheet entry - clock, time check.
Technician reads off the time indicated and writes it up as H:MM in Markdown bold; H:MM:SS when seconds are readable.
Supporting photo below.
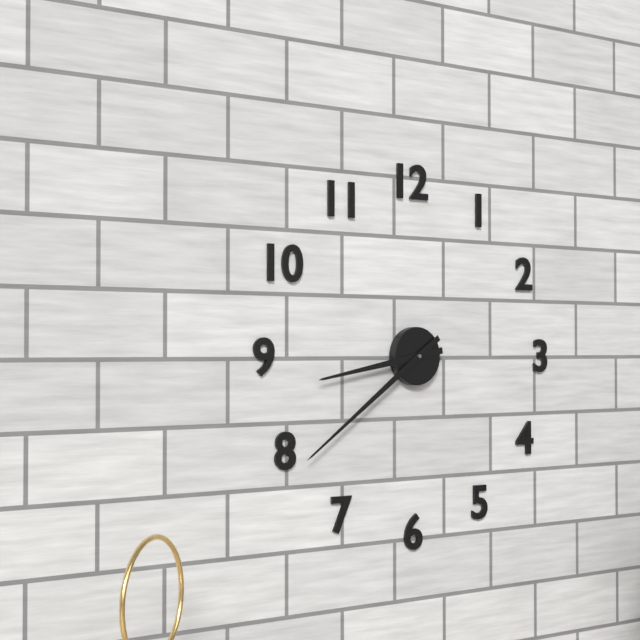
**8:39**
